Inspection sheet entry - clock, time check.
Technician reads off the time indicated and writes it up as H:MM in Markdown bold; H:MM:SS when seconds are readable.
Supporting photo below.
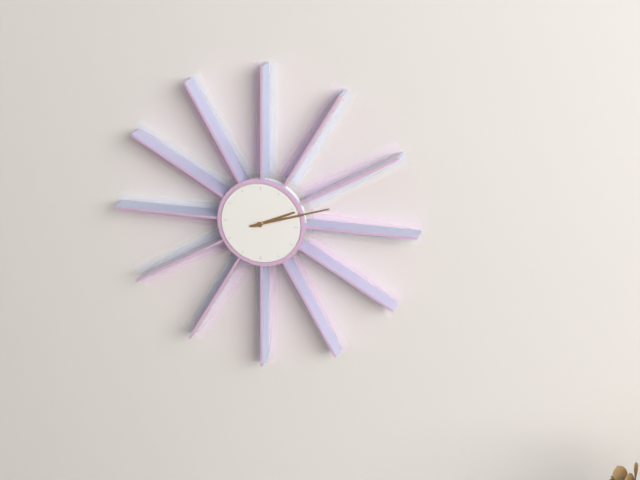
**2:12**
